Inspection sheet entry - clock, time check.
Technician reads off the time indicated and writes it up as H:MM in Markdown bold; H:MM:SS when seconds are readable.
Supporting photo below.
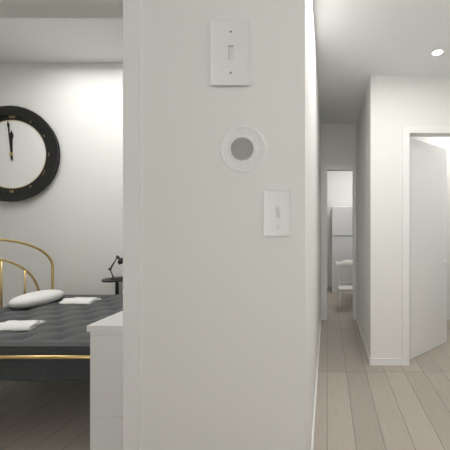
**11:59**
